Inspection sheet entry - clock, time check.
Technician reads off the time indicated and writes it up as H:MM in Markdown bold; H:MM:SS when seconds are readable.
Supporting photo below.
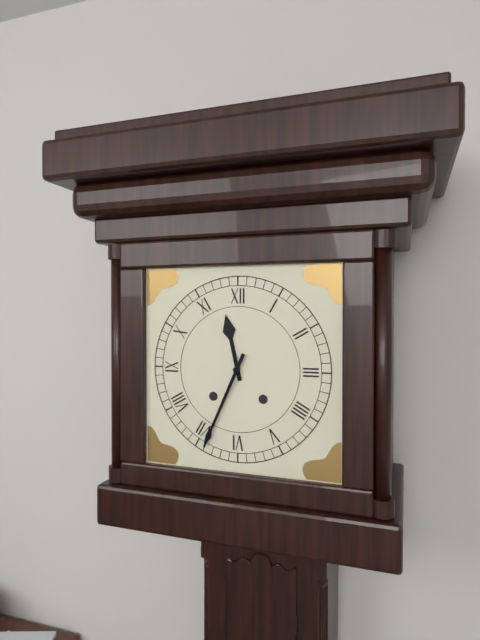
**11:34**
